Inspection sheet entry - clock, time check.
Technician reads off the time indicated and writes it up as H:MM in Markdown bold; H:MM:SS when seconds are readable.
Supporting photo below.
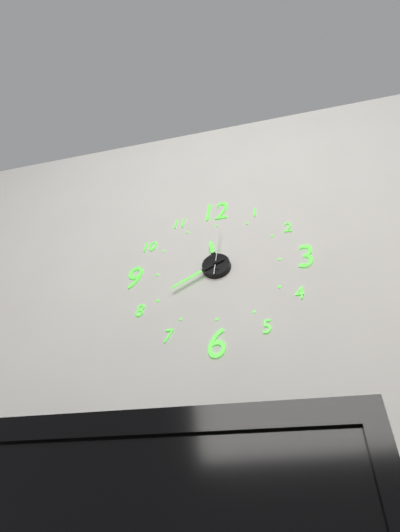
**11:40**
